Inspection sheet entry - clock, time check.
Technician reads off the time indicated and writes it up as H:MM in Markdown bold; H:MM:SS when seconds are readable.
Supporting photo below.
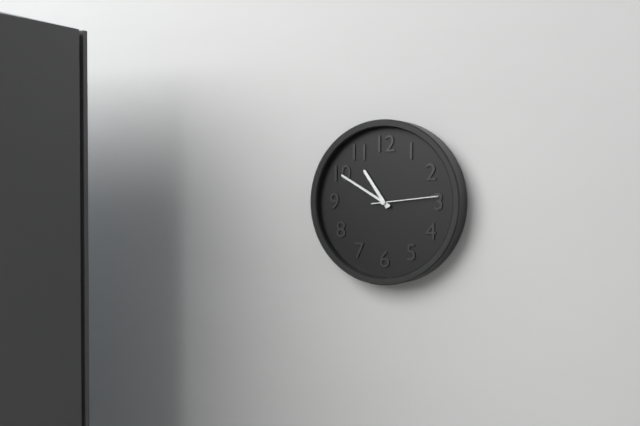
**10:50:14**
